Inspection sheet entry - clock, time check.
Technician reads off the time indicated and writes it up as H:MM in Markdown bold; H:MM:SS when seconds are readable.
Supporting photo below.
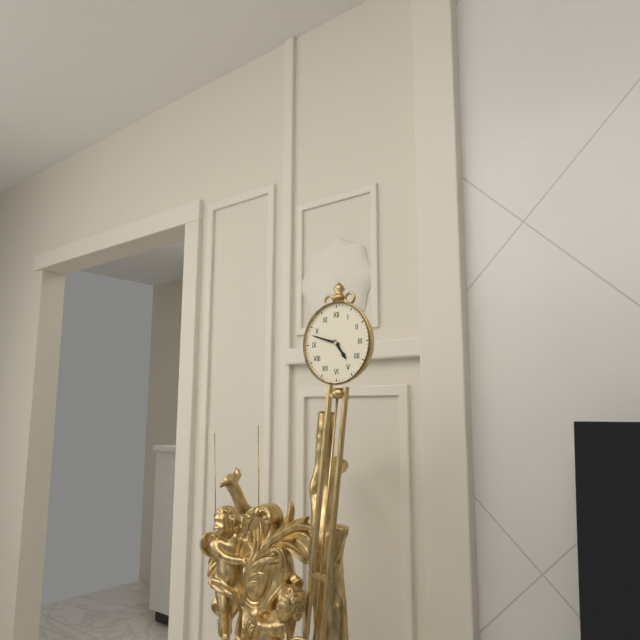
**4:48**
